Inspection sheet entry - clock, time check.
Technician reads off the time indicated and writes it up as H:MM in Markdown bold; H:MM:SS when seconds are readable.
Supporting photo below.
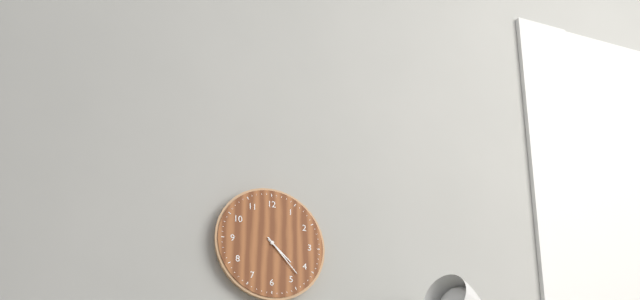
**4:23**
